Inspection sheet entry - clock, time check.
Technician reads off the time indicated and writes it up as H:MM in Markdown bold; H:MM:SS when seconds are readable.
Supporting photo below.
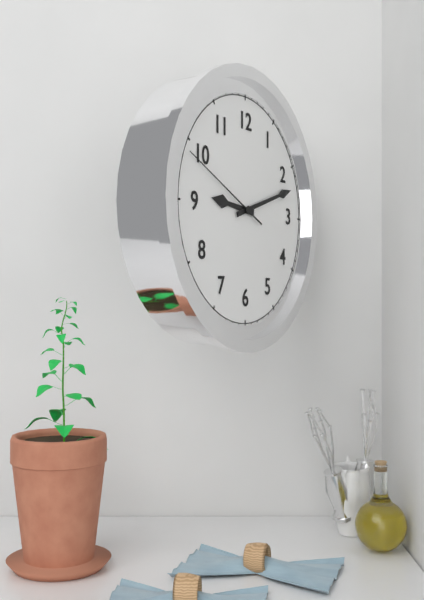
**9:12:49**
